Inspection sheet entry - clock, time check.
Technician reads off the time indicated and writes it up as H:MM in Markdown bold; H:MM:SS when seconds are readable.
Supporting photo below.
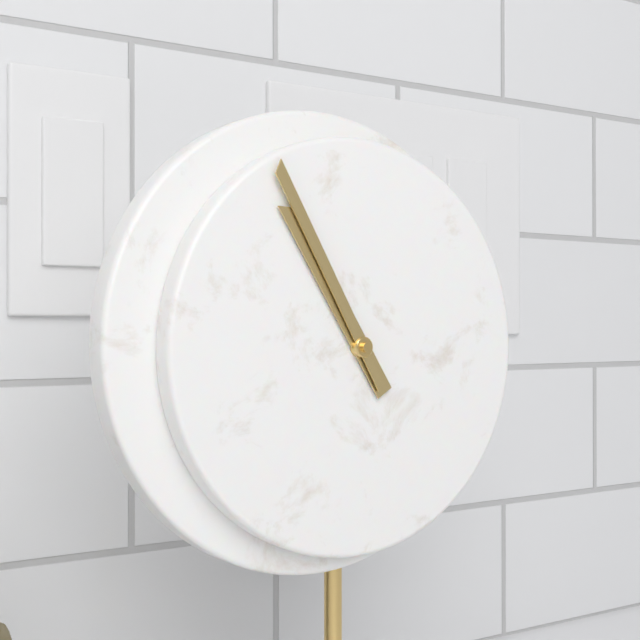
**10:55**
